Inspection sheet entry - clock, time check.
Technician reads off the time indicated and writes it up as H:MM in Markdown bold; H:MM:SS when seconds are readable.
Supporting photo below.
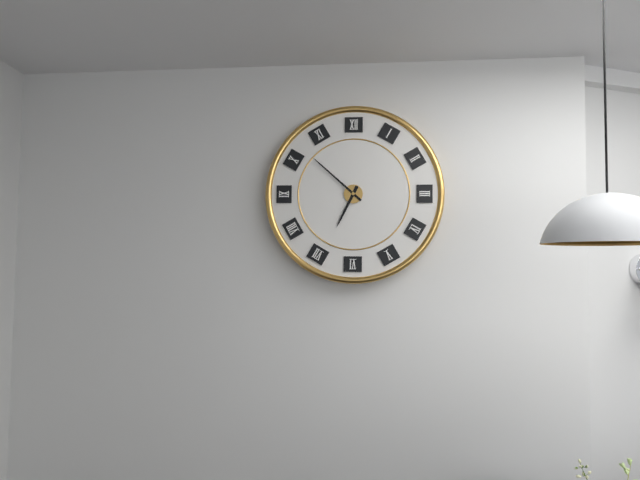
**6:52**
